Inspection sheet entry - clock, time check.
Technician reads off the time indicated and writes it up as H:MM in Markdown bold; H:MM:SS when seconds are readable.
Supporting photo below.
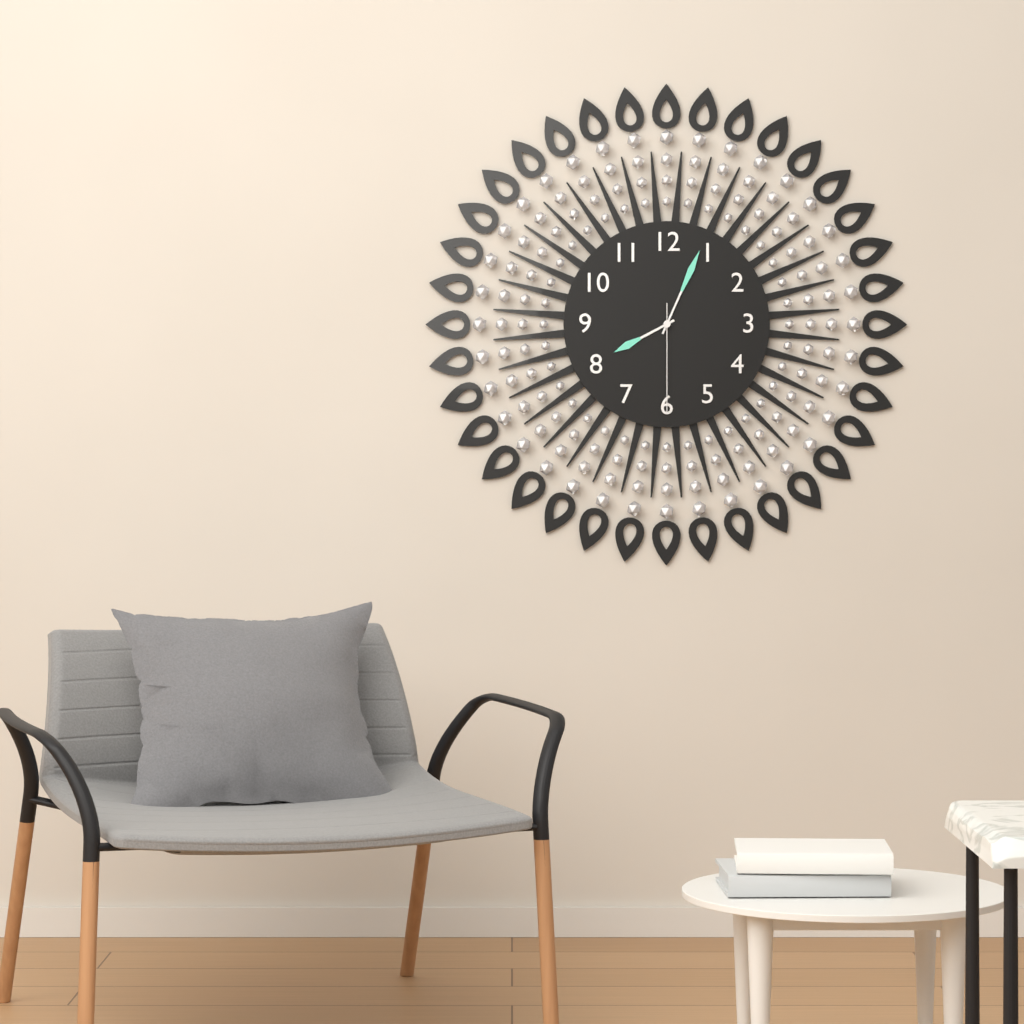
**8:04:30**
